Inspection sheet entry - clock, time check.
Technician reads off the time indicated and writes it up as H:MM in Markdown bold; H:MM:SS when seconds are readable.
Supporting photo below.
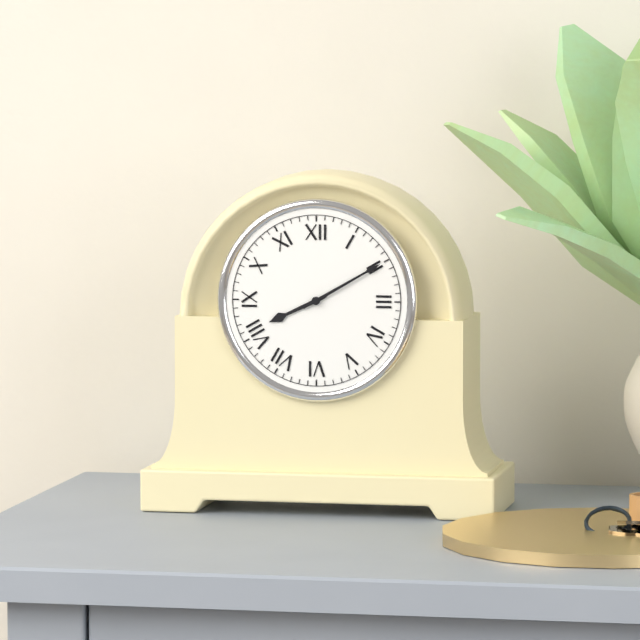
**8:10**
